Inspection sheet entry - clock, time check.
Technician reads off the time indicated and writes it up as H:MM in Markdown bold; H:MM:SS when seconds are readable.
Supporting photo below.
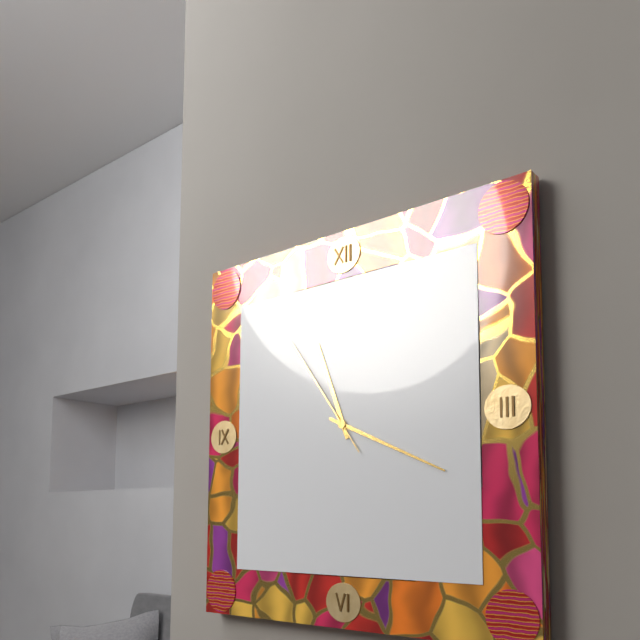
**11:19:54**
